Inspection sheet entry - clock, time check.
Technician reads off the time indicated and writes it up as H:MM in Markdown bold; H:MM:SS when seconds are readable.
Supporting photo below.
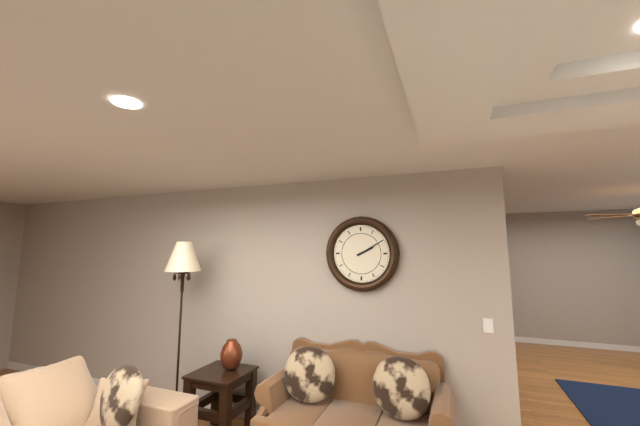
**2:10**
